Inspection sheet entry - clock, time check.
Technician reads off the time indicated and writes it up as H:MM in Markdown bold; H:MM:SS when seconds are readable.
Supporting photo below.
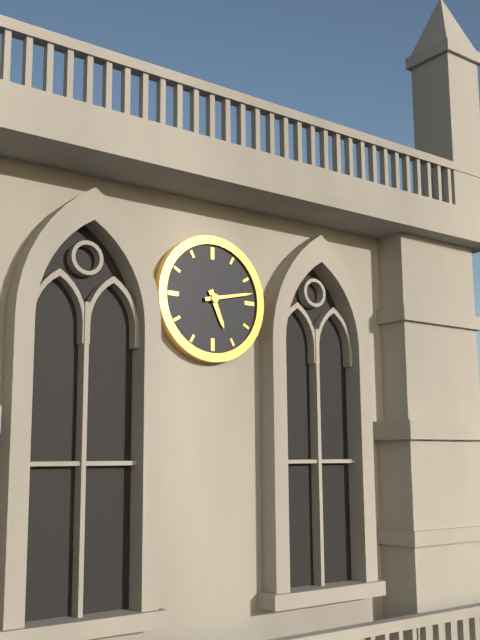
**5:13**
